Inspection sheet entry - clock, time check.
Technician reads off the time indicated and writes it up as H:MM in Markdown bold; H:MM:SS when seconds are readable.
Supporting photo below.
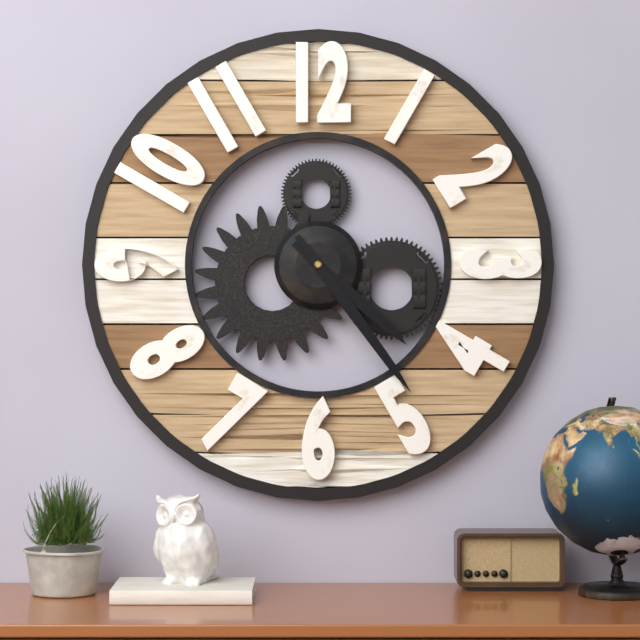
**4:24**
